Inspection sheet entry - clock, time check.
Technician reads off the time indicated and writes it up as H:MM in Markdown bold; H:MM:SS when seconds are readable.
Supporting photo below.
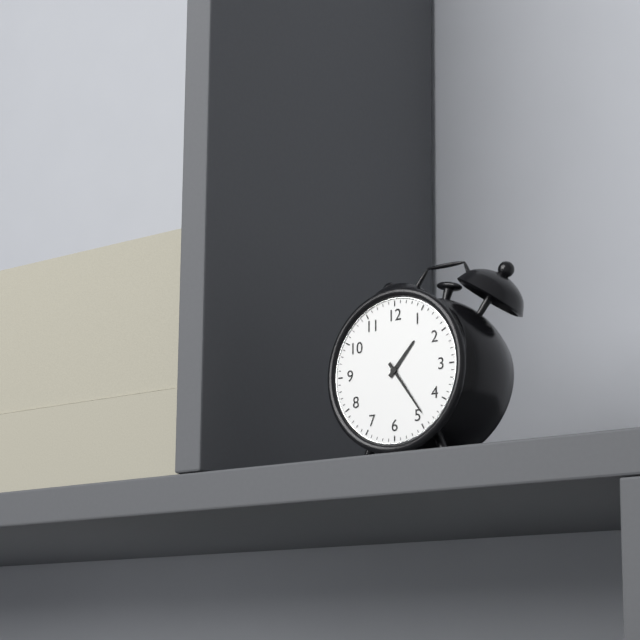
**1:24**
